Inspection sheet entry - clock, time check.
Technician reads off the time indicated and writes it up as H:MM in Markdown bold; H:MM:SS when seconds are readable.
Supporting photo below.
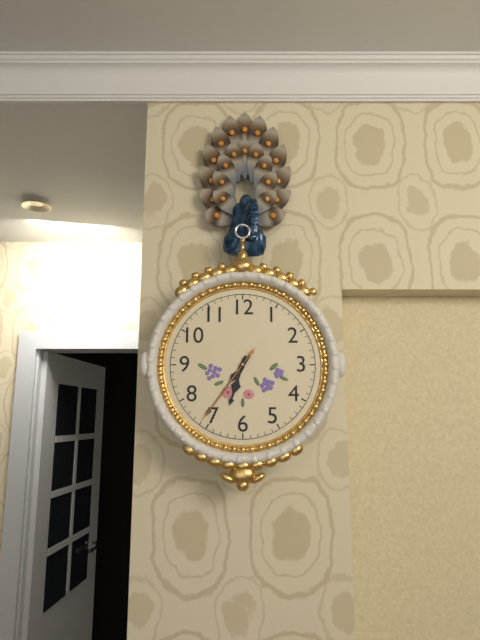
**6:36:36**
